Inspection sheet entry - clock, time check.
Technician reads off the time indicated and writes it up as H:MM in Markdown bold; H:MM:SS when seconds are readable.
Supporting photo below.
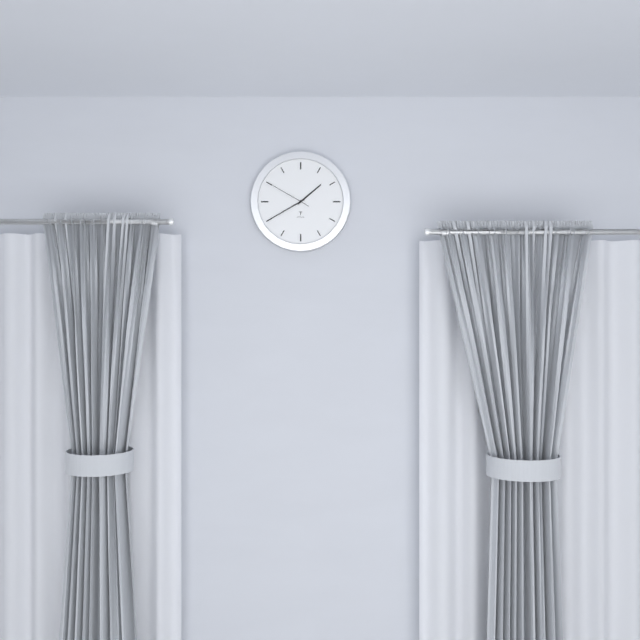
**1:40**
